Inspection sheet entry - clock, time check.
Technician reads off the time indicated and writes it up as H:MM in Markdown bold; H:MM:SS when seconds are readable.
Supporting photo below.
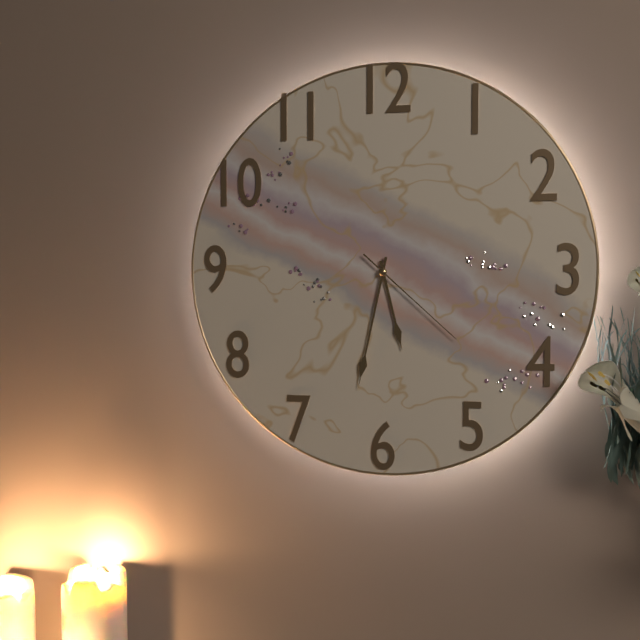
**5:32:22**
